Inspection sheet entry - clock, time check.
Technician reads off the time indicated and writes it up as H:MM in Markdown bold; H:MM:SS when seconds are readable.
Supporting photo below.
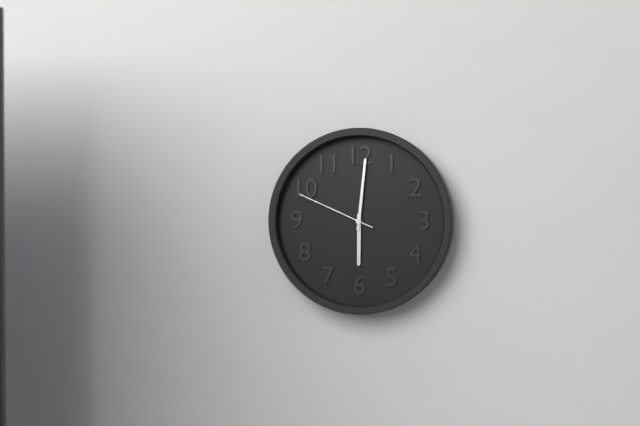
**6:01:49**
